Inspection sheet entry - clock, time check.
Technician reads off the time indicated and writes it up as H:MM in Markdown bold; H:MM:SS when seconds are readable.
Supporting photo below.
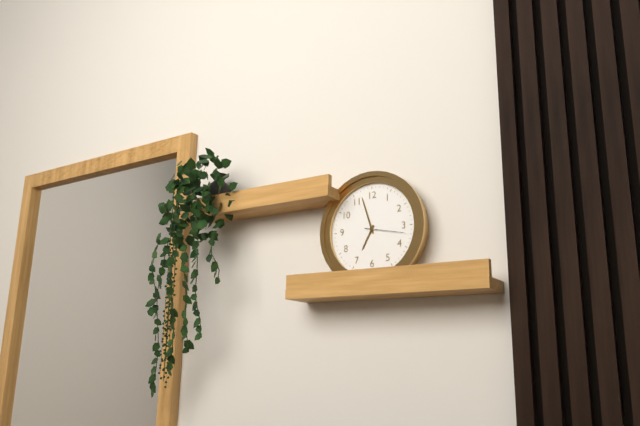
**6:57**
